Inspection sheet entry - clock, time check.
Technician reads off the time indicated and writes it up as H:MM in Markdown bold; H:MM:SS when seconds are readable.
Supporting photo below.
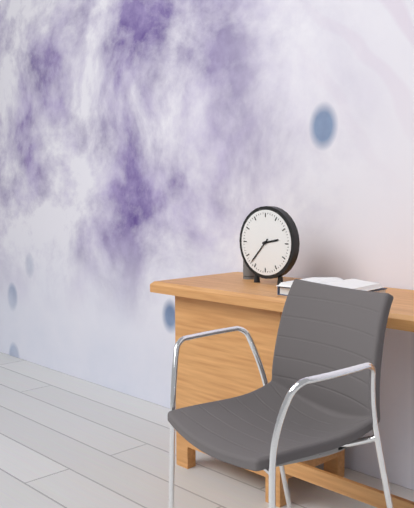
**2:37**
